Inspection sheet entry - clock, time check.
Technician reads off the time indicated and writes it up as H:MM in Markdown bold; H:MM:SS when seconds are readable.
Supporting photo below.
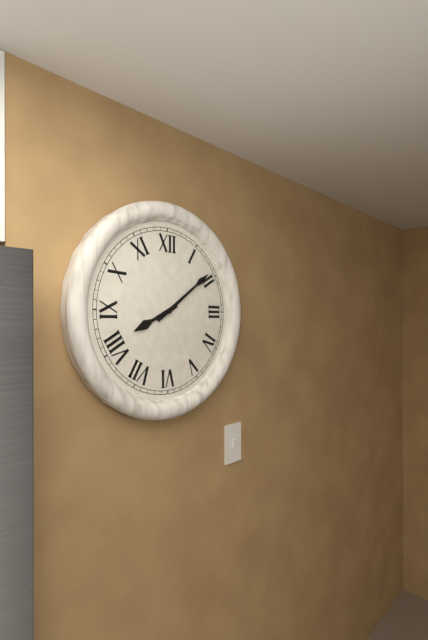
**8:09**
